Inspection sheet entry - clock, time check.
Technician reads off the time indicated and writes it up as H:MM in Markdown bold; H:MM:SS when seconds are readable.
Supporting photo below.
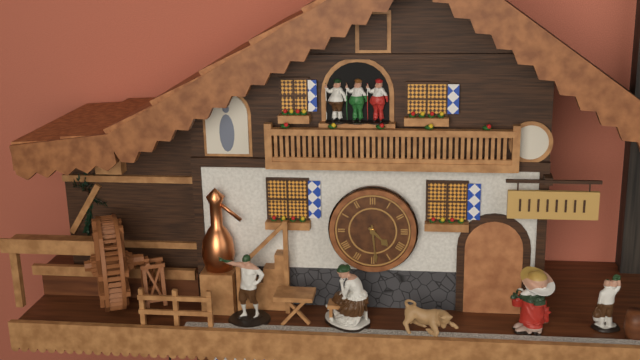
**4:29**
